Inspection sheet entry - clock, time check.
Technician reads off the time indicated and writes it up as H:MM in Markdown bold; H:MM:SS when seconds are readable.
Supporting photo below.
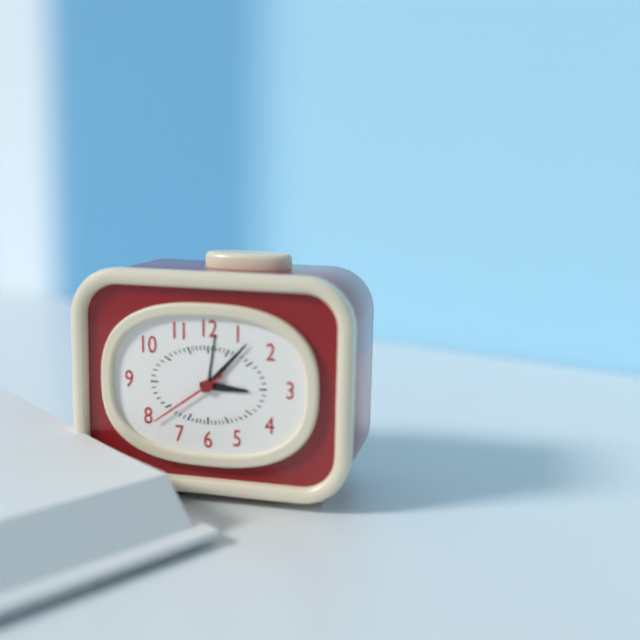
**3:07:39**
